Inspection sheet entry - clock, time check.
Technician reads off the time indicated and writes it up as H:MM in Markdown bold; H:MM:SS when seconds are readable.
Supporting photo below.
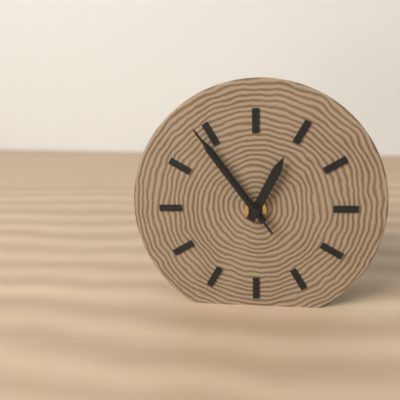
**12:54:54**
